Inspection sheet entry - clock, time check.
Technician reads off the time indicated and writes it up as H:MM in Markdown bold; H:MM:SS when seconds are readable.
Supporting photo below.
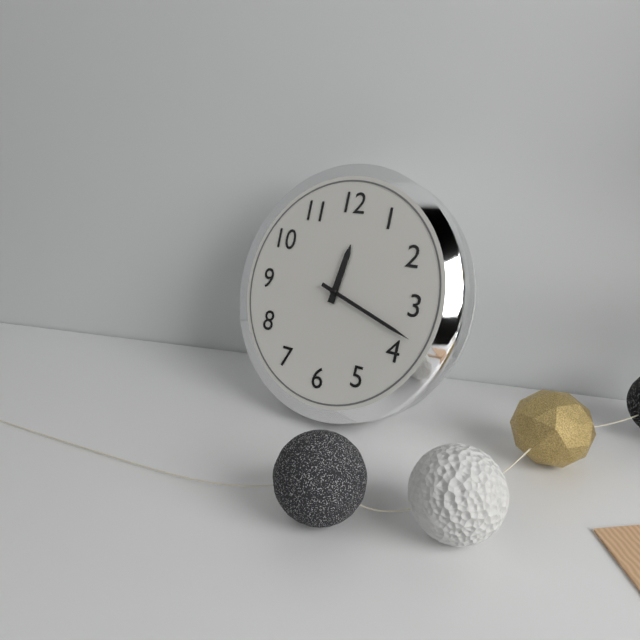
**12:18**
